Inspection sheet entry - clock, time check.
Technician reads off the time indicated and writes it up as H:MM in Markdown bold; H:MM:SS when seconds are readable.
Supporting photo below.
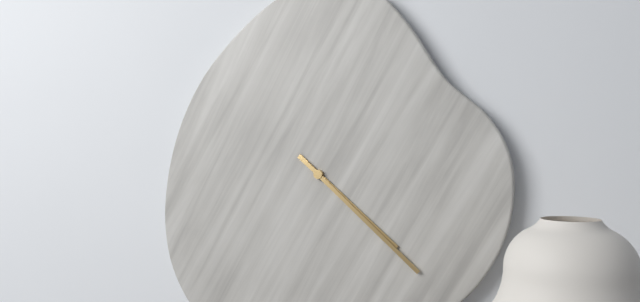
**4:22**
